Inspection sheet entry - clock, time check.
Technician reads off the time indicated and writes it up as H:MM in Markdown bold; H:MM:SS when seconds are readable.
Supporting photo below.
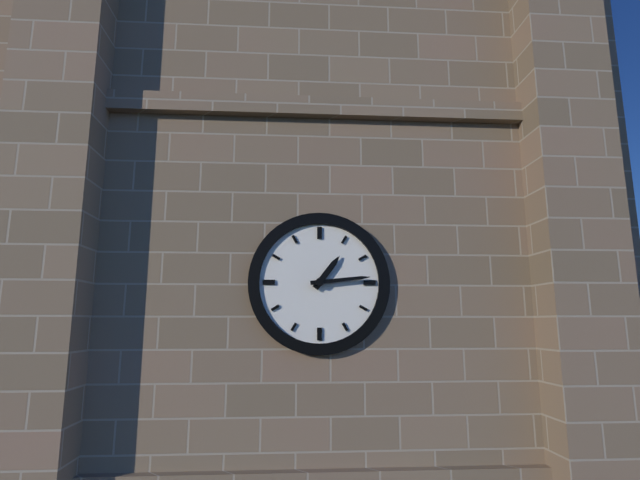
**1:14**
